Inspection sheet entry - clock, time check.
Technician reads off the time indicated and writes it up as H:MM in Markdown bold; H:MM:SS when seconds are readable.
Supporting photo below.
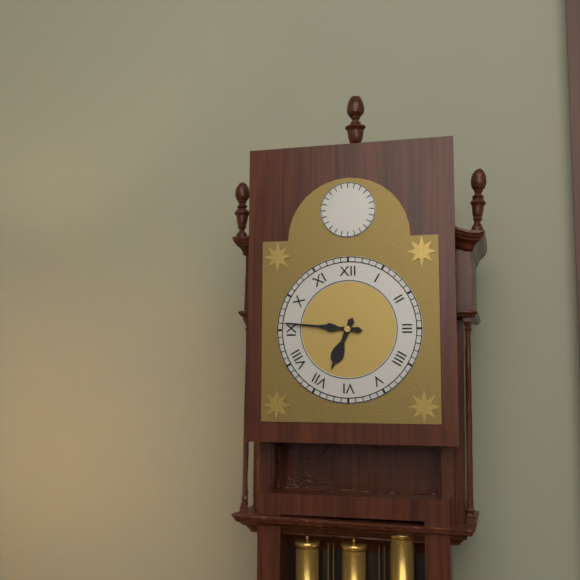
**6:46**
